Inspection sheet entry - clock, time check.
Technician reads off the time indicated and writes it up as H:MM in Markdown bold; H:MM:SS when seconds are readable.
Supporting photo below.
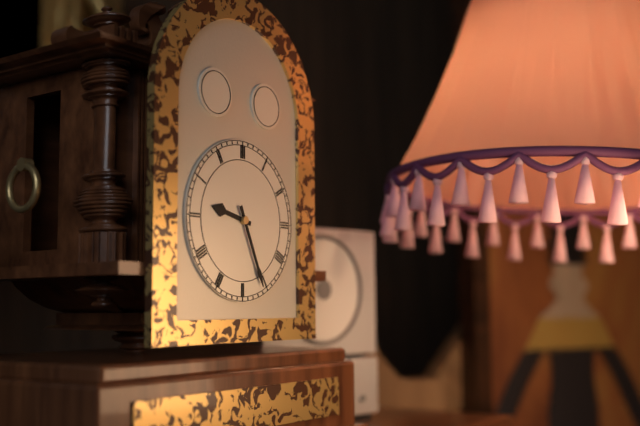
**9:26**
